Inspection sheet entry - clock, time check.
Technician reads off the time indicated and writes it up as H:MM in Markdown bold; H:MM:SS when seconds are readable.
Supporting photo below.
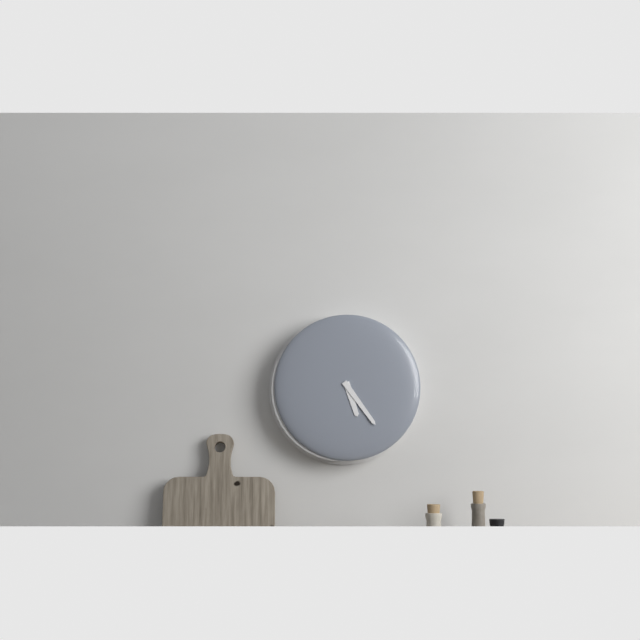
**5:24**
